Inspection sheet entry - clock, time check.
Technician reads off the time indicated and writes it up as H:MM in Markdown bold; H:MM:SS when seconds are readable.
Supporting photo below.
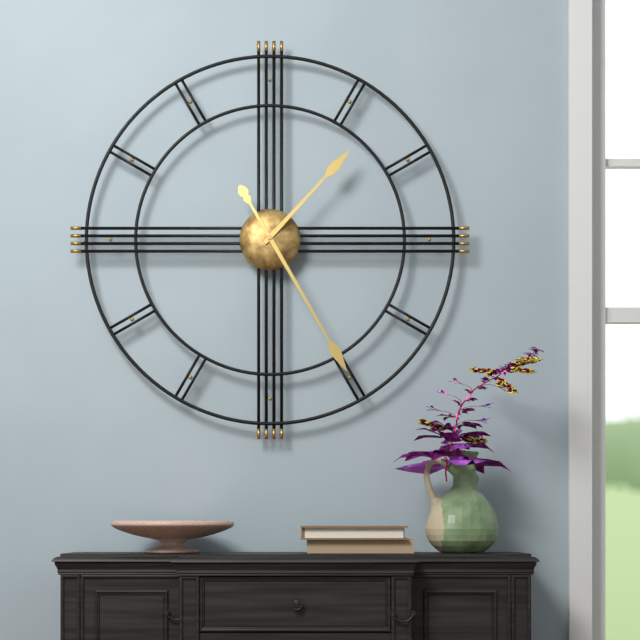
**1:25**
